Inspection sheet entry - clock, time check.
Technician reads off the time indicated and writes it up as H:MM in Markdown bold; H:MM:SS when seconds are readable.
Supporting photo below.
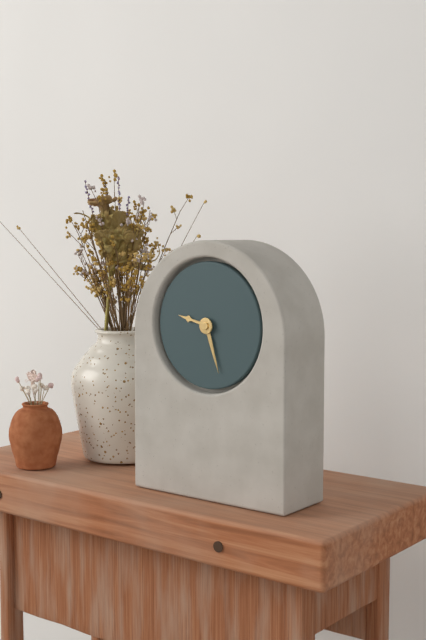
**9:27**
